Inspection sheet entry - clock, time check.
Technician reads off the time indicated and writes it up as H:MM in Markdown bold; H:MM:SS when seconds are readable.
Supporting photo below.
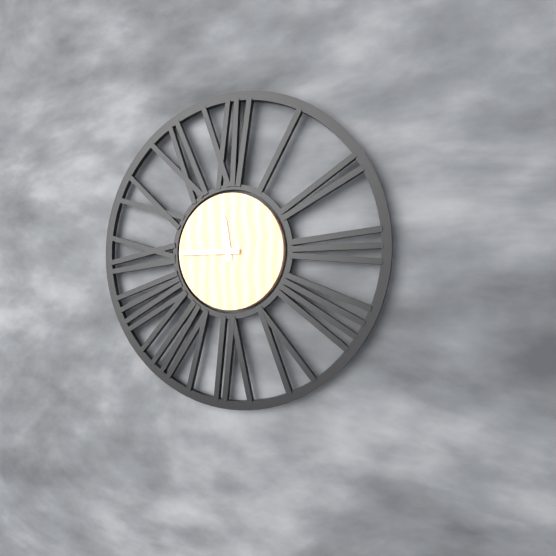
**11:45**
